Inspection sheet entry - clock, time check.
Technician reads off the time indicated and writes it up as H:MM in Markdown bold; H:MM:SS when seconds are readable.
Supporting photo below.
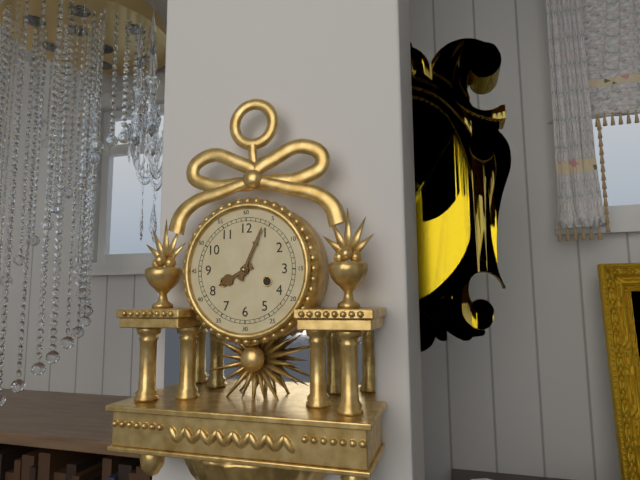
**8:04**
